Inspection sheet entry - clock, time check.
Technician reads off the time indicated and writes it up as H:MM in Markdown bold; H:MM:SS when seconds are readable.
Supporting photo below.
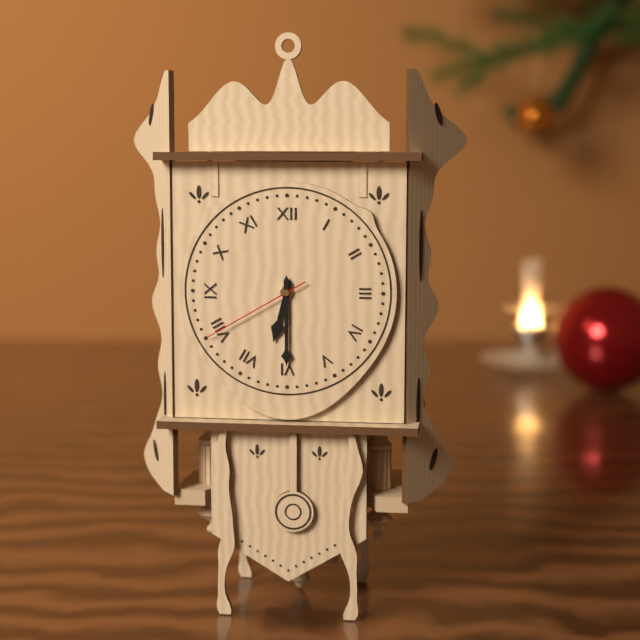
**6:30:40**
